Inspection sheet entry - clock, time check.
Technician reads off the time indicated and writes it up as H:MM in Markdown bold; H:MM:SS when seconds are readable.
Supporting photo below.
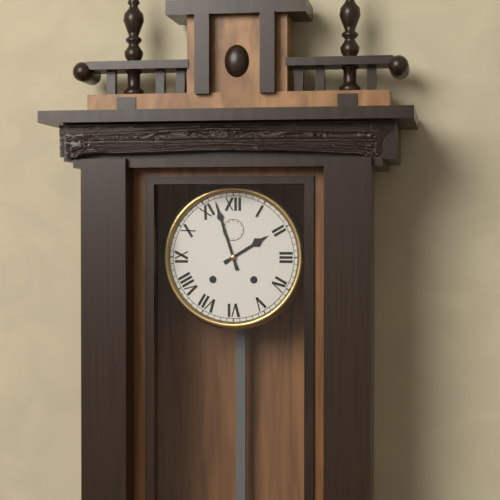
**1:57**
